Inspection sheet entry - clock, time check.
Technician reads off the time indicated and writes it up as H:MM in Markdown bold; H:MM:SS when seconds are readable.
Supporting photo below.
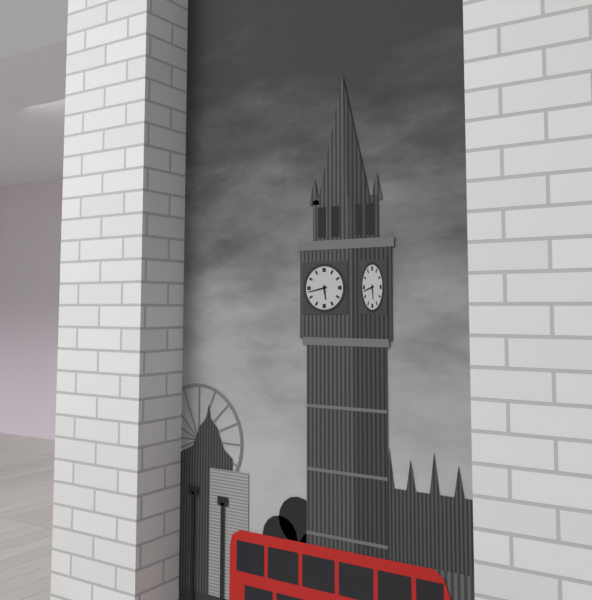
**5:43**
